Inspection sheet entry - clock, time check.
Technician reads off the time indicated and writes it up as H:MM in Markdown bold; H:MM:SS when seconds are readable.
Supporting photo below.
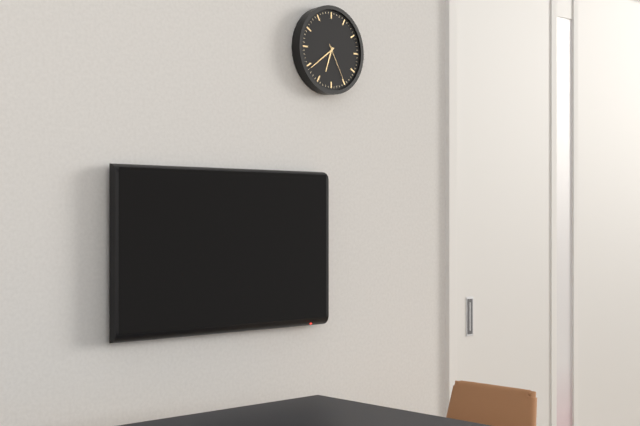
**6:39**
